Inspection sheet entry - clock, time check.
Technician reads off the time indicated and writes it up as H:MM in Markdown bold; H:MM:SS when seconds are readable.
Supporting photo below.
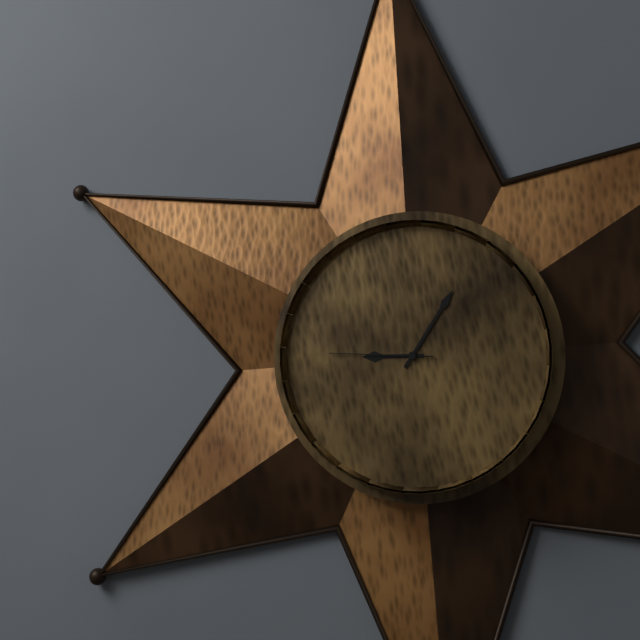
**9:06:46**
